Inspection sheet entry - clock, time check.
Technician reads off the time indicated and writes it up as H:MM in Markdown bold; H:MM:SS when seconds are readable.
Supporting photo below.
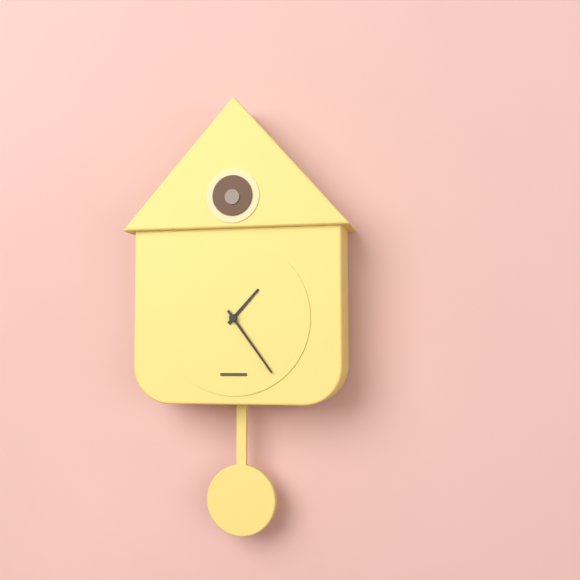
**1:24**
